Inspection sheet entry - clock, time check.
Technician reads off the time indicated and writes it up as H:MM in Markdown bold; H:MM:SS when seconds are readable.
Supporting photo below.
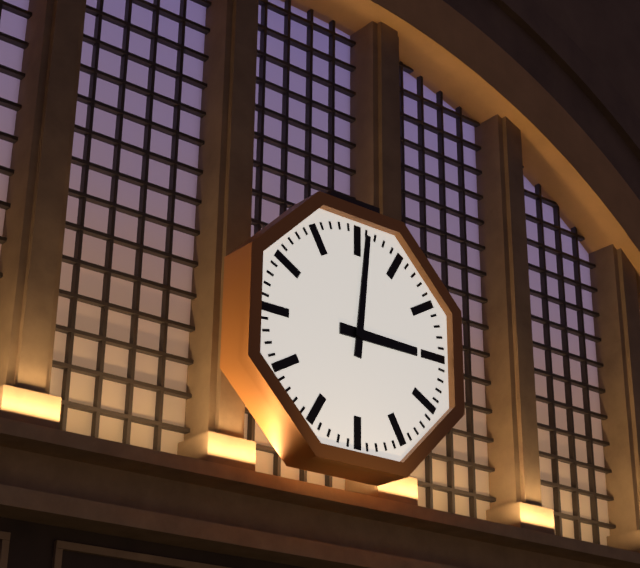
**3:01**
